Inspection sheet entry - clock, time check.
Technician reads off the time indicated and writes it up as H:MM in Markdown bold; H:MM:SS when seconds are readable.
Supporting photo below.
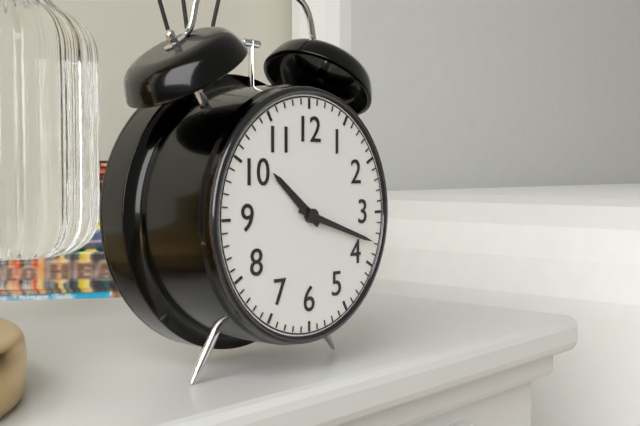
**10:18**
